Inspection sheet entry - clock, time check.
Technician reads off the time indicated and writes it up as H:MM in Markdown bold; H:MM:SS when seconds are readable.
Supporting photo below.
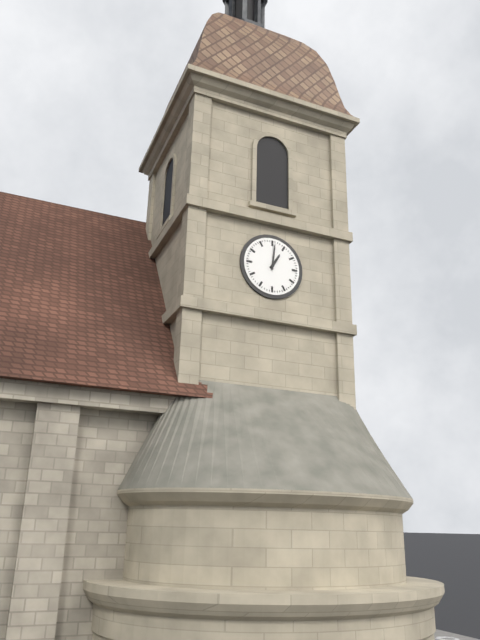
**1:01**
